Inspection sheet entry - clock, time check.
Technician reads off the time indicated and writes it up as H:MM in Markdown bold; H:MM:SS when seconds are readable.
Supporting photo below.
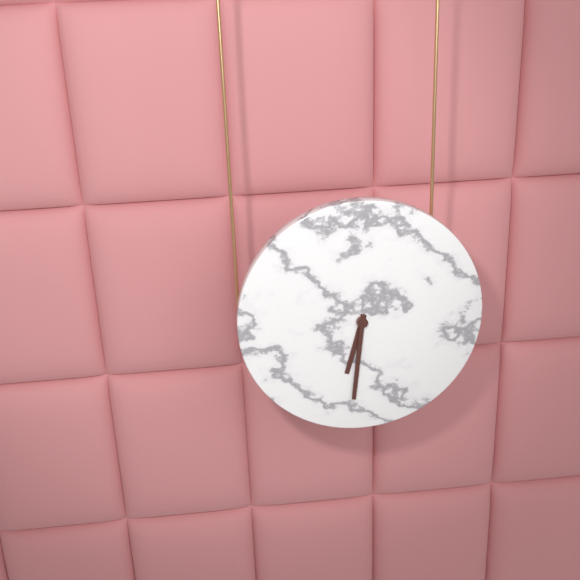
**6:31**
